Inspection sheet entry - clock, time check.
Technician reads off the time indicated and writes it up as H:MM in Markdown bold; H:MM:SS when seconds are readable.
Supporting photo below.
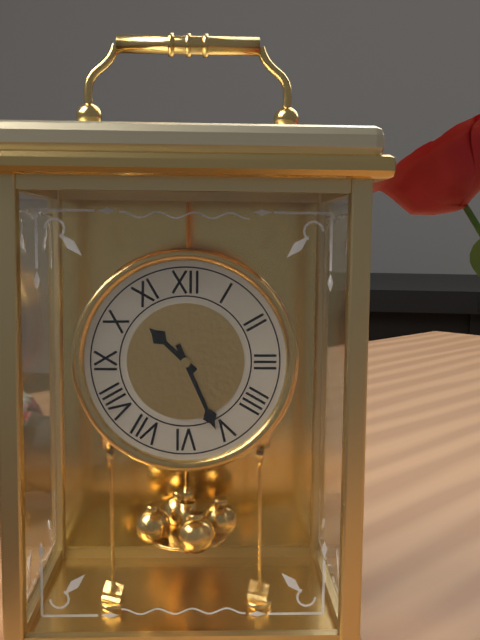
**10:26**
